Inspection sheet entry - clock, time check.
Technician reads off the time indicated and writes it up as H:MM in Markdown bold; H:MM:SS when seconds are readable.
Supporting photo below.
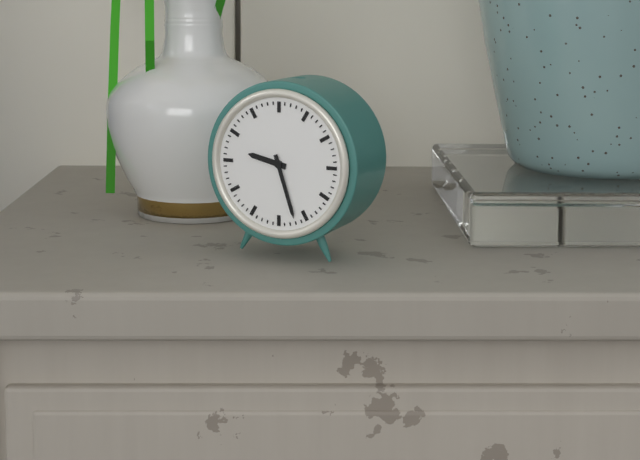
**9:27**
